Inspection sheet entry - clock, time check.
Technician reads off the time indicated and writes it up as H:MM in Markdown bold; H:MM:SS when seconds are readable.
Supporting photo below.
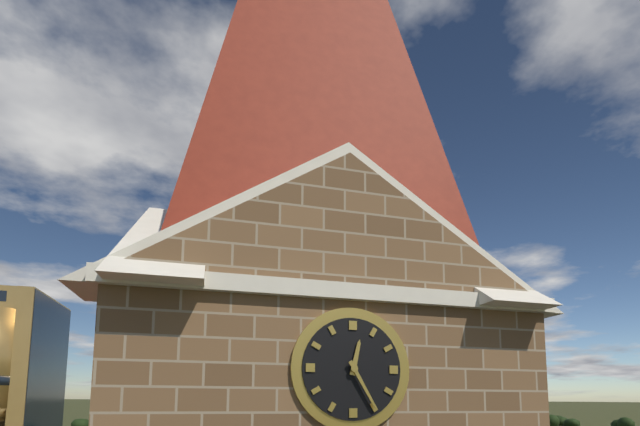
**12:25**
